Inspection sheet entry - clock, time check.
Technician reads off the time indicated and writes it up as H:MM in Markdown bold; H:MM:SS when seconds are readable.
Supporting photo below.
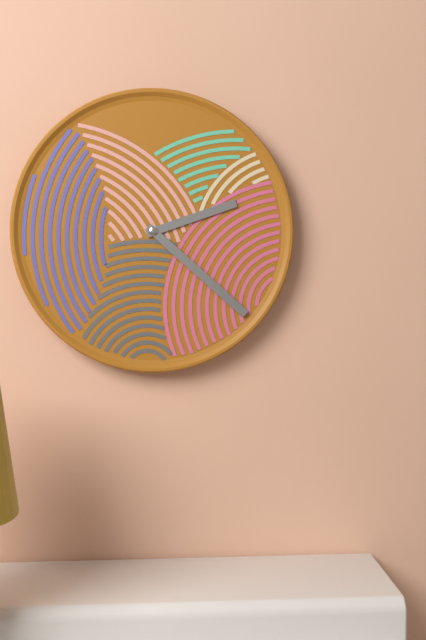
**2:22**
